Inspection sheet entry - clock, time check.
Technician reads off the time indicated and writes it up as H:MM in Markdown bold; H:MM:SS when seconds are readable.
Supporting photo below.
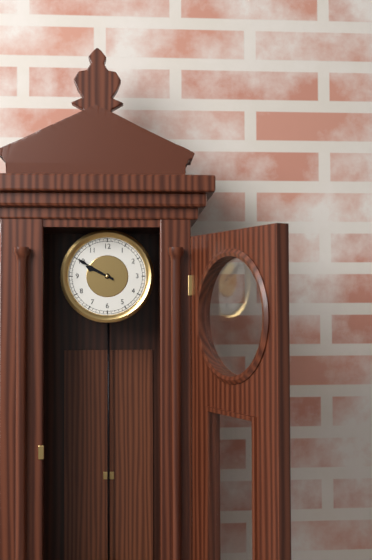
**9:50**
